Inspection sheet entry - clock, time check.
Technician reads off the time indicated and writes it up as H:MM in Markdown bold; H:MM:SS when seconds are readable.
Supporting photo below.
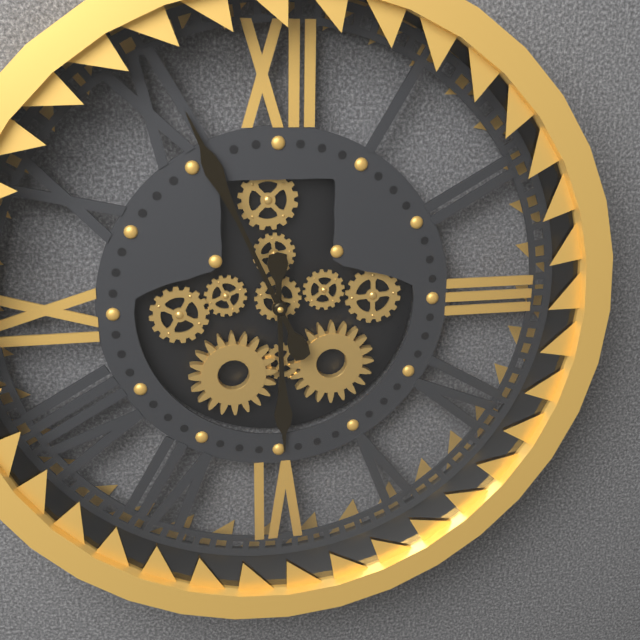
**5:56**
